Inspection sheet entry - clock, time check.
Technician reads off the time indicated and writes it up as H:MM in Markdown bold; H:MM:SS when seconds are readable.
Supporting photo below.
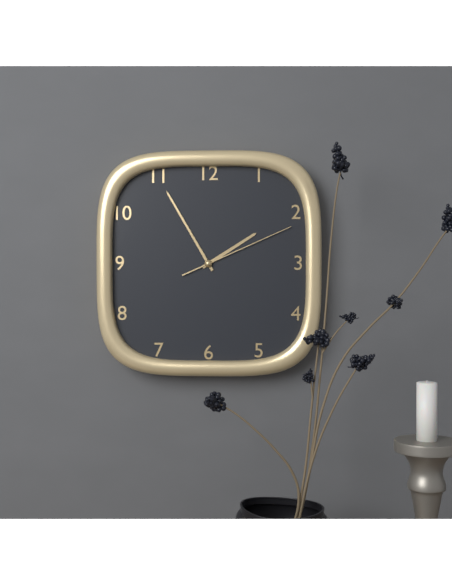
**1:55:11**
